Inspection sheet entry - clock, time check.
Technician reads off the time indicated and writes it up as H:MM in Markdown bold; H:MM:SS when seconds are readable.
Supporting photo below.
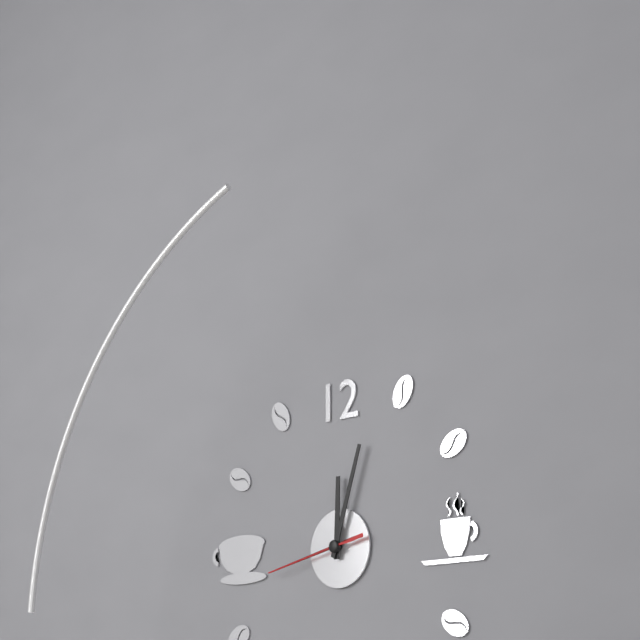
**12:03:43**
